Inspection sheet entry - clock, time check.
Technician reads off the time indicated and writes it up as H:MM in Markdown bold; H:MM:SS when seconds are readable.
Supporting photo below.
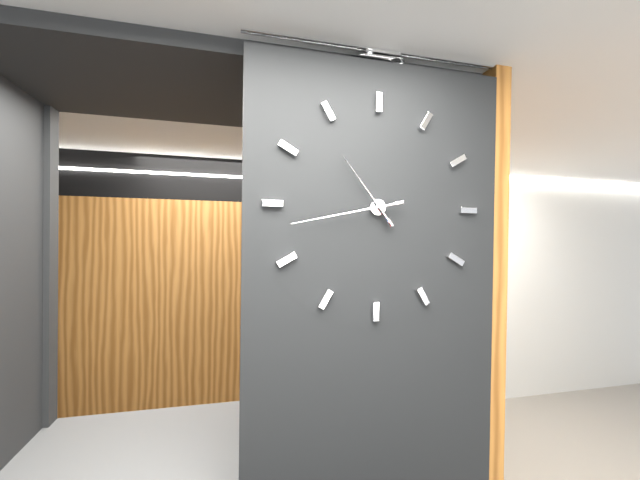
**10:43**
